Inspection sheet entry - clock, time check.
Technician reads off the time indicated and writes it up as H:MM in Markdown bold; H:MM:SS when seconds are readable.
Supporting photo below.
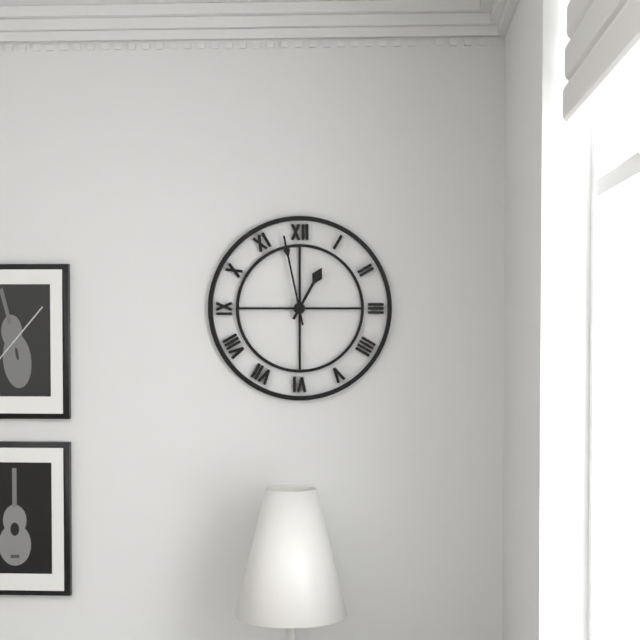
**12:58**
